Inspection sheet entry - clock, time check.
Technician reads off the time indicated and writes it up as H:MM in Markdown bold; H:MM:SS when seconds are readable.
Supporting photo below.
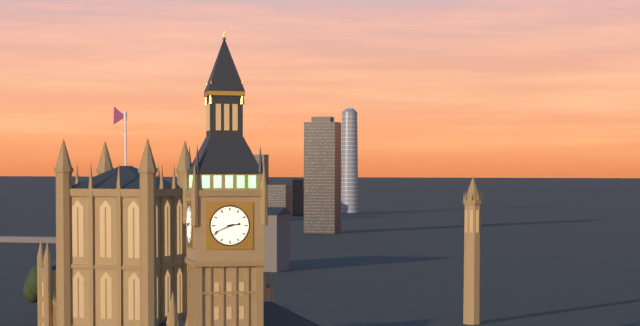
**2:41**
